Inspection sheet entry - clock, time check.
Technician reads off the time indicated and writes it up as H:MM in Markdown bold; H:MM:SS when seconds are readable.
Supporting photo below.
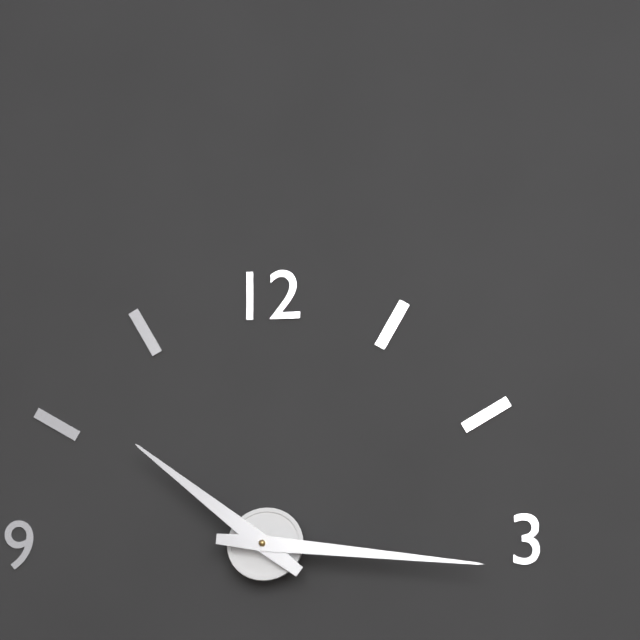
**10:16**
